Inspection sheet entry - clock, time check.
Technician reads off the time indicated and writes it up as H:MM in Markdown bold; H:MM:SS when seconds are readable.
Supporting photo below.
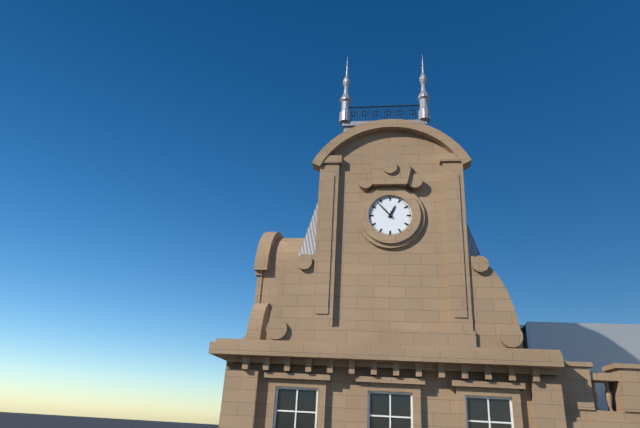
**12:53**
